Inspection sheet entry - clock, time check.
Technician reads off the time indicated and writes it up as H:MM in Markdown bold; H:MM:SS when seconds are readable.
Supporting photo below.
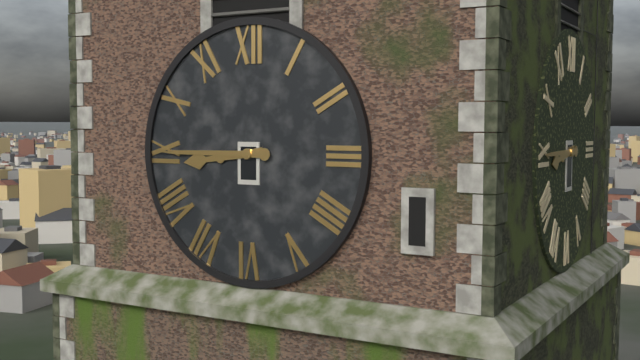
**8:45**
